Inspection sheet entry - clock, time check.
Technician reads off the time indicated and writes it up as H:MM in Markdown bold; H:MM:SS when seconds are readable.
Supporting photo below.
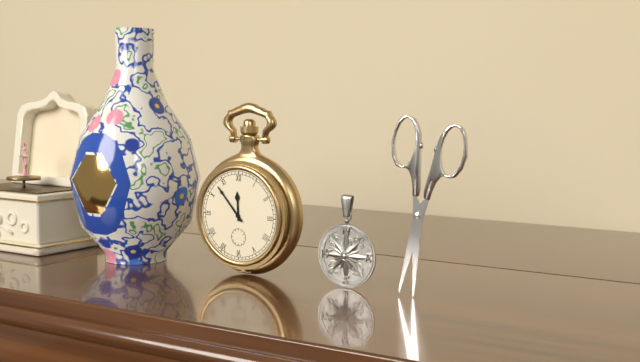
**11:53**
